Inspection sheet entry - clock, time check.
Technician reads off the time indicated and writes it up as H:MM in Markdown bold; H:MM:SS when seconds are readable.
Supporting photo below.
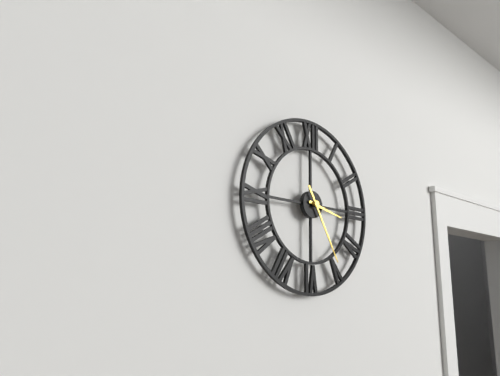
**3:25**
